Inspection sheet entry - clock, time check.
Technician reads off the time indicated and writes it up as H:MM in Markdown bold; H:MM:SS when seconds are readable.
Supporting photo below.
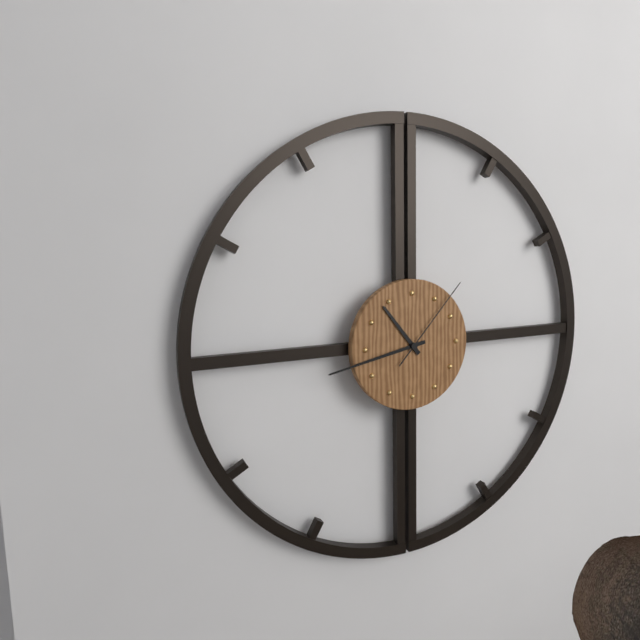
**10:43:07**
